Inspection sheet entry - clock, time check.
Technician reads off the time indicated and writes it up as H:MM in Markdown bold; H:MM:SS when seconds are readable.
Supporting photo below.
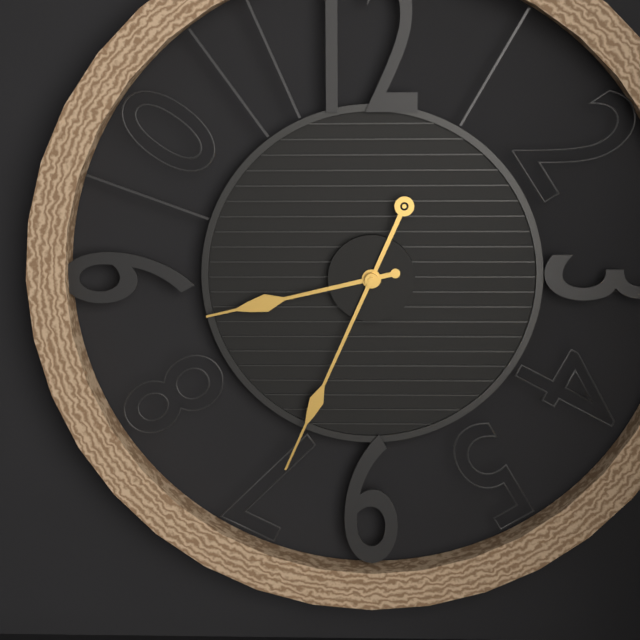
**8:34**
